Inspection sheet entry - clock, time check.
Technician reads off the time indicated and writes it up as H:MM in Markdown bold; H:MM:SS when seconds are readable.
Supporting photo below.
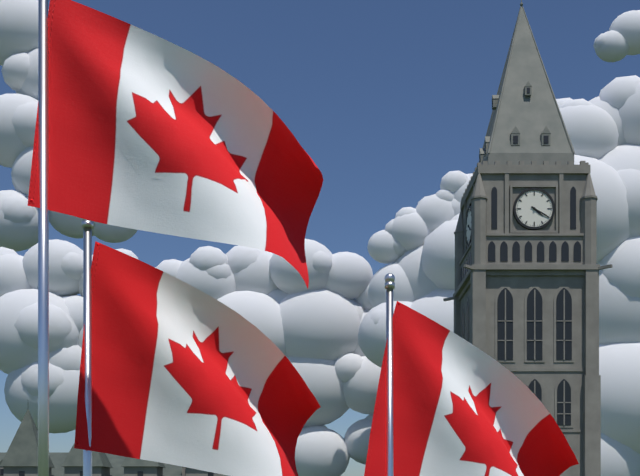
**4:20**
